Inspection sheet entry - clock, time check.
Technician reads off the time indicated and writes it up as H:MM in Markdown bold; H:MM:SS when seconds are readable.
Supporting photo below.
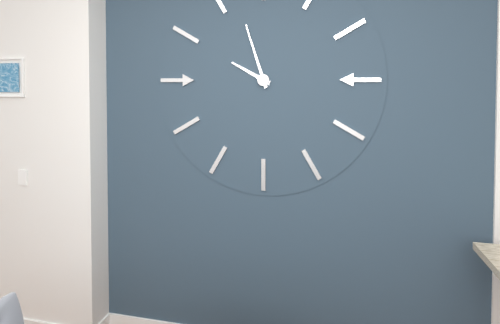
**9:57**
